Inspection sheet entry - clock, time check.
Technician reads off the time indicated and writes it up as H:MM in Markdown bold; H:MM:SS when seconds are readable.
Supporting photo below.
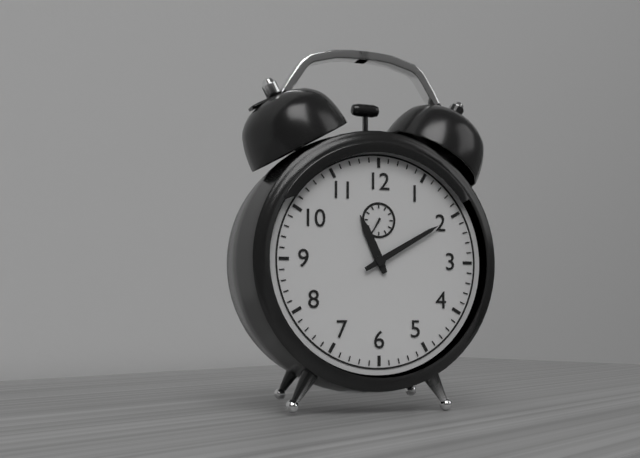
**11:10**
